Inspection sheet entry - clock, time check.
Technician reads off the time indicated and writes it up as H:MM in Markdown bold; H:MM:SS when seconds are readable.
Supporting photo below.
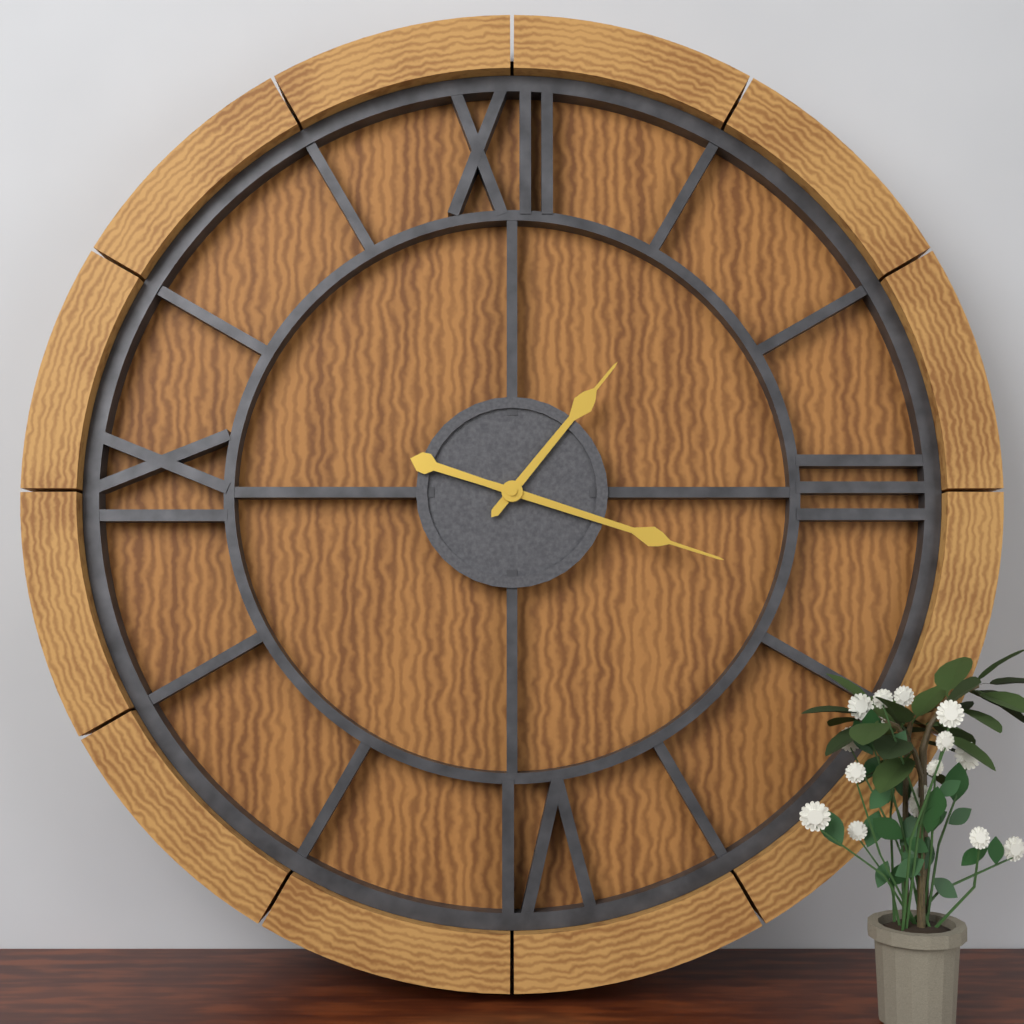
**1:18**
